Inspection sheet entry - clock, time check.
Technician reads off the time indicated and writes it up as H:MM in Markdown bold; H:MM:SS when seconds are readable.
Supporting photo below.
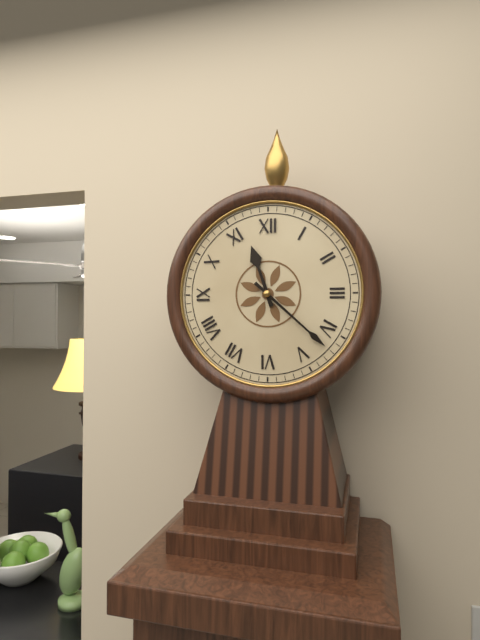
**11:22**
